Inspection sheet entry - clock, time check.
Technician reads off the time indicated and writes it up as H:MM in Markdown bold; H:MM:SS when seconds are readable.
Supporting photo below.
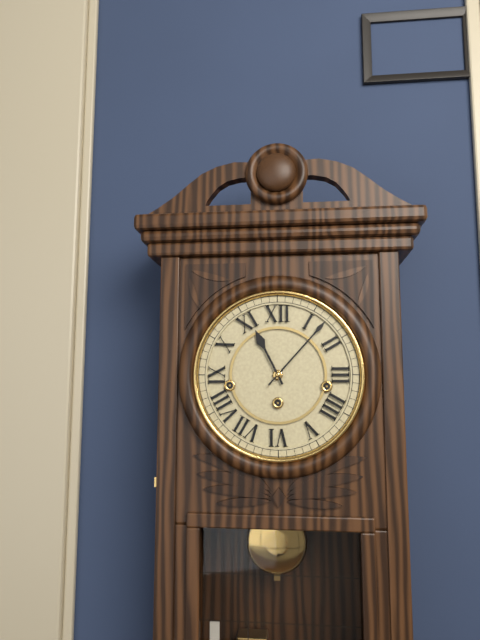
**11:07**
